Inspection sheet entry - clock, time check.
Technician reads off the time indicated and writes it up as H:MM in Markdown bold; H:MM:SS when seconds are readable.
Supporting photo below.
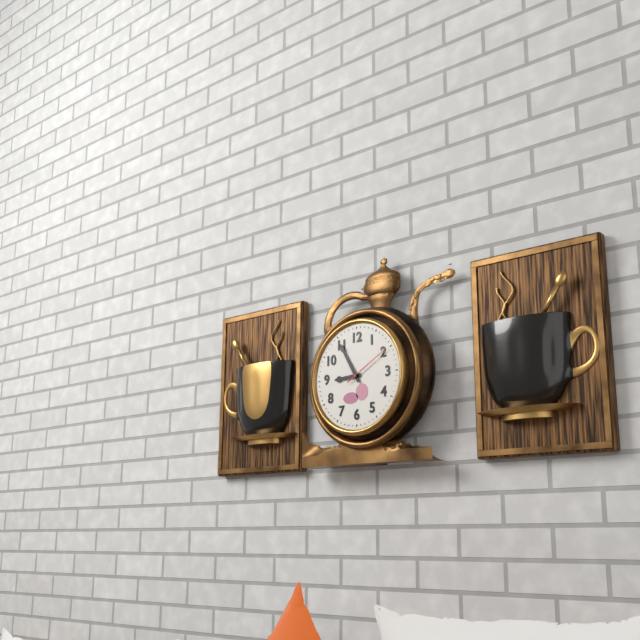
**8:55:10**
